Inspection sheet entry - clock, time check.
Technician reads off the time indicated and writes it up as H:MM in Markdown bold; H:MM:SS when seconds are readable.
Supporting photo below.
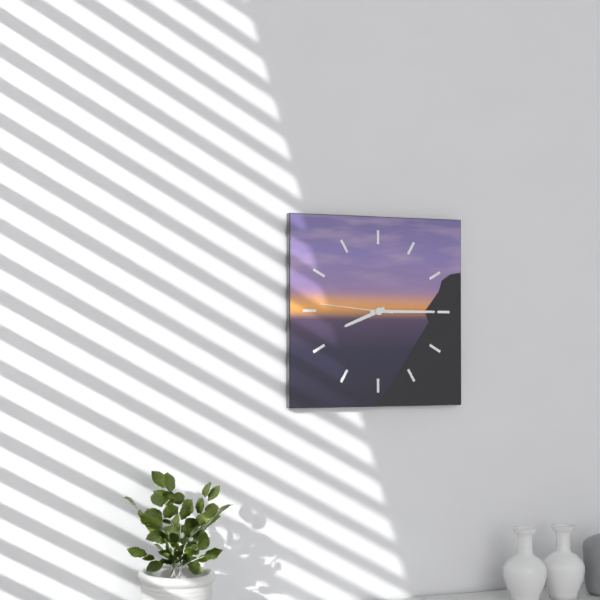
**8:15:46**
